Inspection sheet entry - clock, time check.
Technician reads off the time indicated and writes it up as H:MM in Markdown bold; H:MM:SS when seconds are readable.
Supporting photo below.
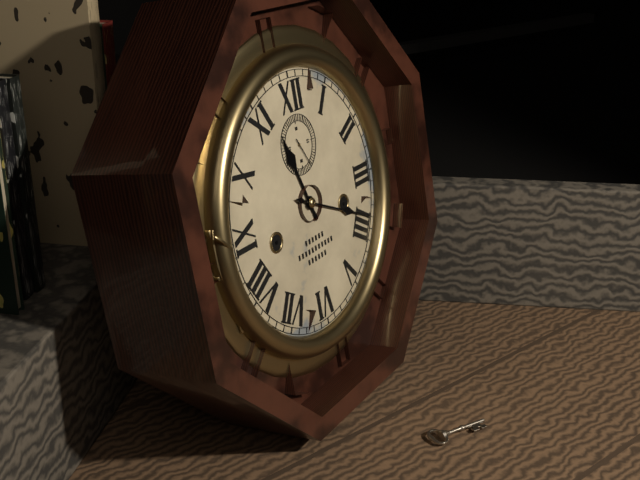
**11:19**
